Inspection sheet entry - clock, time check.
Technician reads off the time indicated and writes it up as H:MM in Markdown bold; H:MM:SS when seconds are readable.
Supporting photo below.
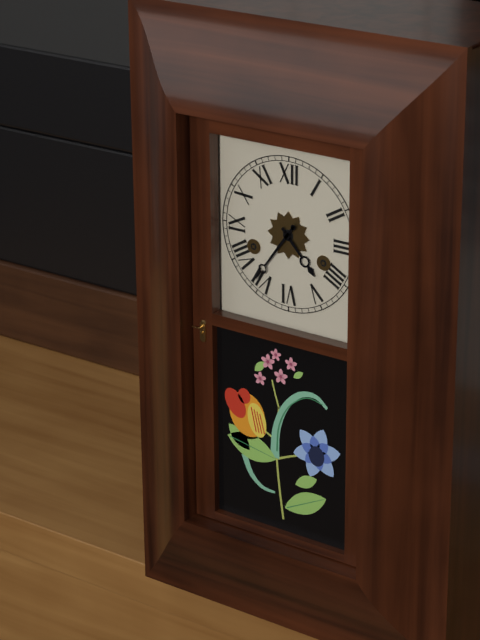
**4:36**
